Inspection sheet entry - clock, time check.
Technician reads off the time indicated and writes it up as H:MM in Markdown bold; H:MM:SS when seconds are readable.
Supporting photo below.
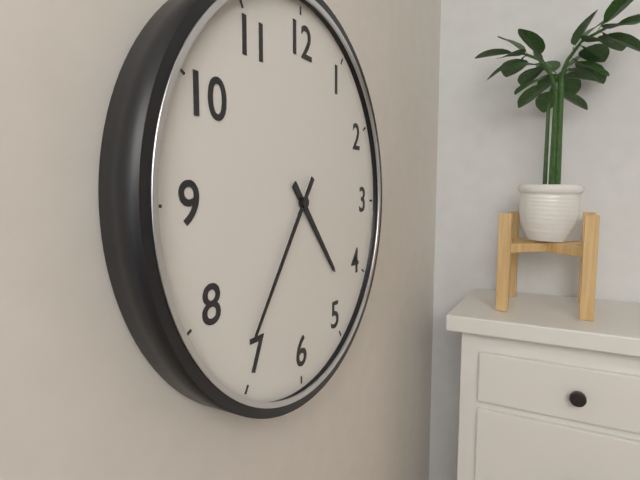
**4:36**
